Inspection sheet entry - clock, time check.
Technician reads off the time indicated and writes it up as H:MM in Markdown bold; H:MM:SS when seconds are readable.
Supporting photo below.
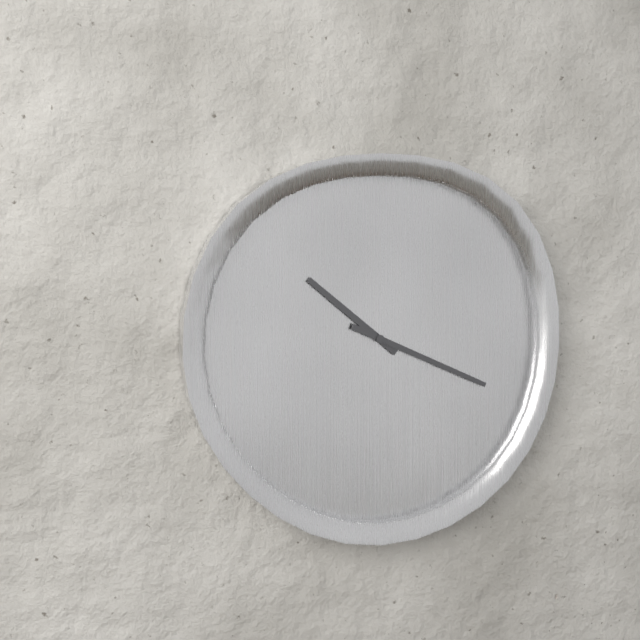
**10:19**
